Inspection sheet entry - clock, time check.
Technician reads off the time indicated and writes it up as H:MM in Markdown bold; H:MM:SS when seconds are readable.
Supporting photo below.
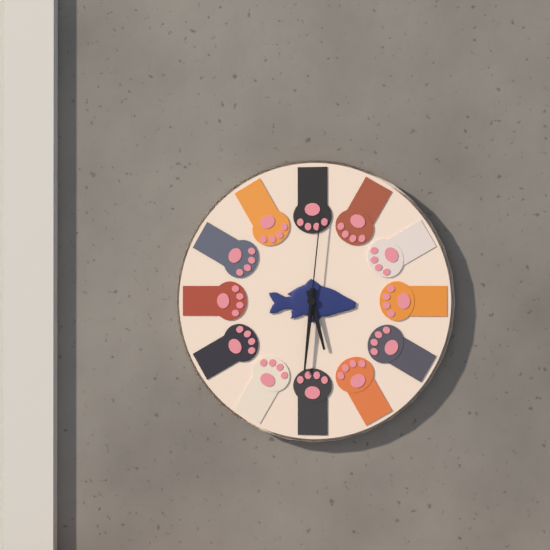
**5:31:01**
